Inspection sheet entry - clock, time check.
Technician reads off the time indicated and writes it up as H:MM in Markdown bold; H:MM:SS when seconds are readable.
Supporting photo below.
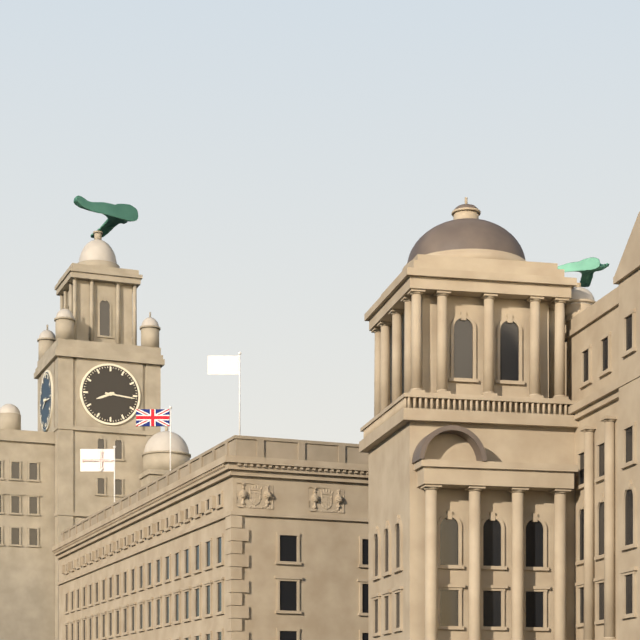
**8:16**
